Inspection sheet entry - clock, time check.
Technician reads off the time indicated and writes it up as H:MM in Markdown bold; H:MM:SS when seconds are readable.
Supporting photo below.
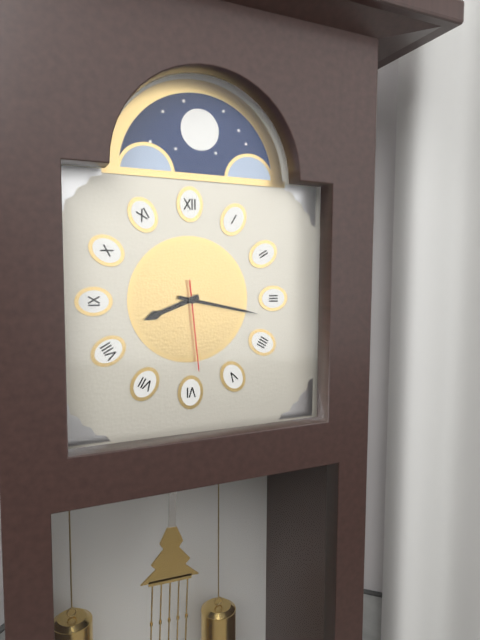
**8:17:29**
